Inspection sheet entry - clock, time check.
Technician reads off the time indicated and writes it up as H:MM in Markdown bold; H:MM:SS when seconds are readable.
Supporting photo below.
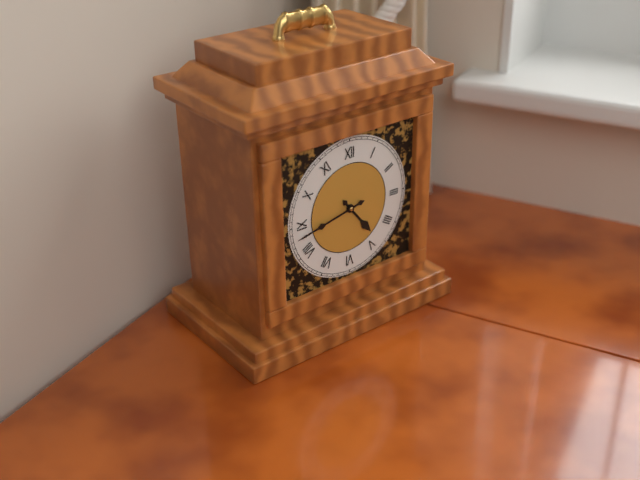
**4:43**
